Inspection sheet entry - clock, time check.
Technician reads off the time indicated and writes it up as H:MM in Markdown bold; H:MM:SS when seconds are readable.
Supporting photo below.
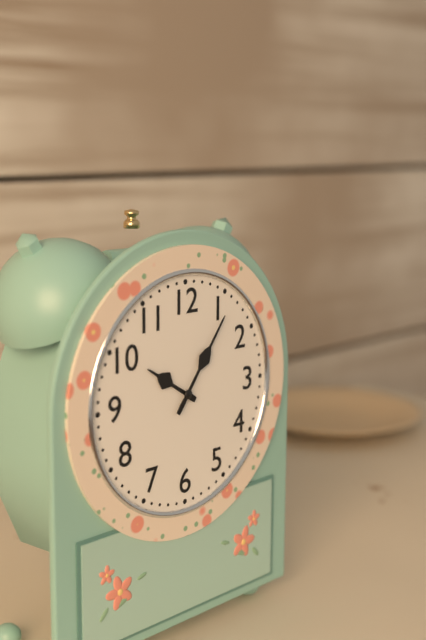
**10:06**
